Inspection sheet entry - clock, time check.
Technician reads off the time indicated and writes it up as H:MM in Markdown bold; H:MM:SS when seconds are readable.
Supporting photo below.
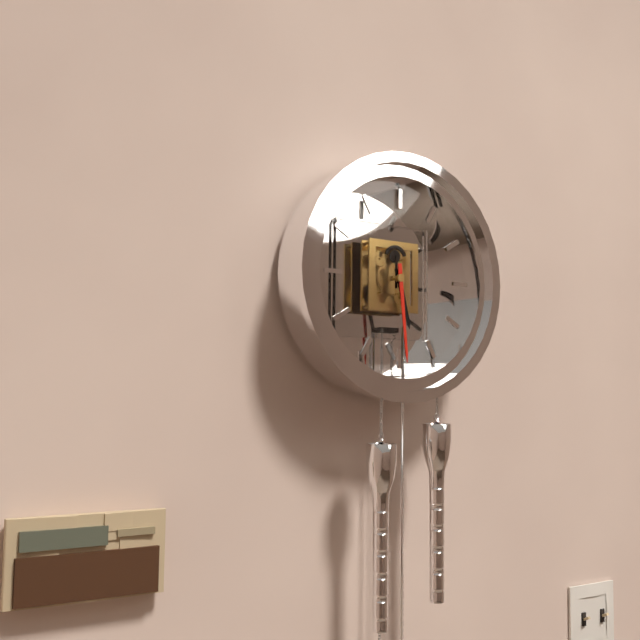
**5:29**
